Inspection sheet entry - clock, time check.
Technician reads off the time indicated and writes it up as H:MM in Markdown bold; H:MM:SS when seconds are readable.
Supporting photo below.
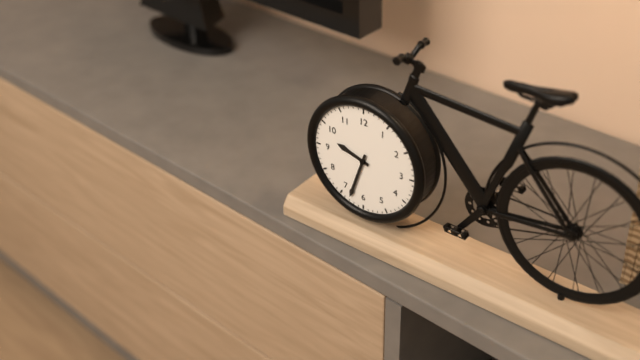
**9:33**
